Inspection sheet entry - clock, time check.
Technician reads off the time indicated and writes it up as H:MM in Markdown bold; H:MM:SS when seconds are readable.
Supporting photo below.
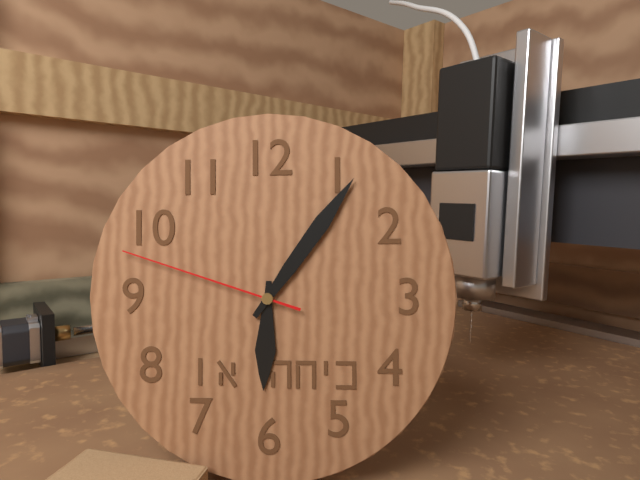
**6:06:48**
